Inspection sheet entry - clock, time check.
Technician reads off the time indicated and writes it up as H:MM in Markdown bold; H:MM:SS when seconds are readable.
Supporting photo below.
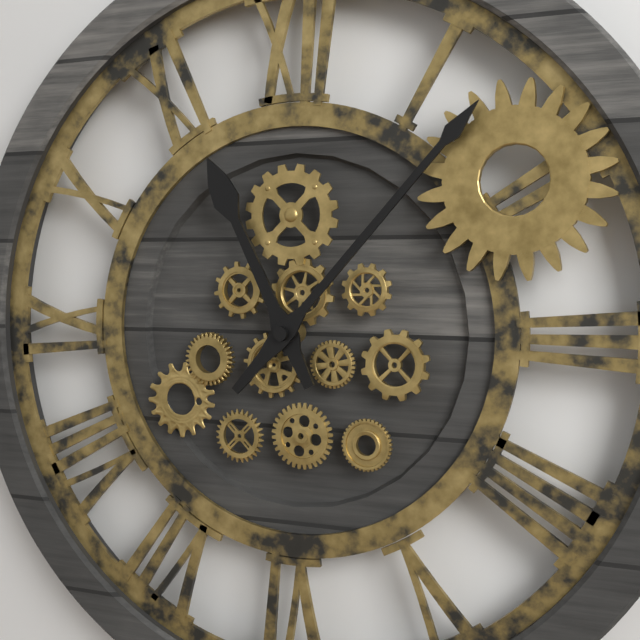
**11:07**
